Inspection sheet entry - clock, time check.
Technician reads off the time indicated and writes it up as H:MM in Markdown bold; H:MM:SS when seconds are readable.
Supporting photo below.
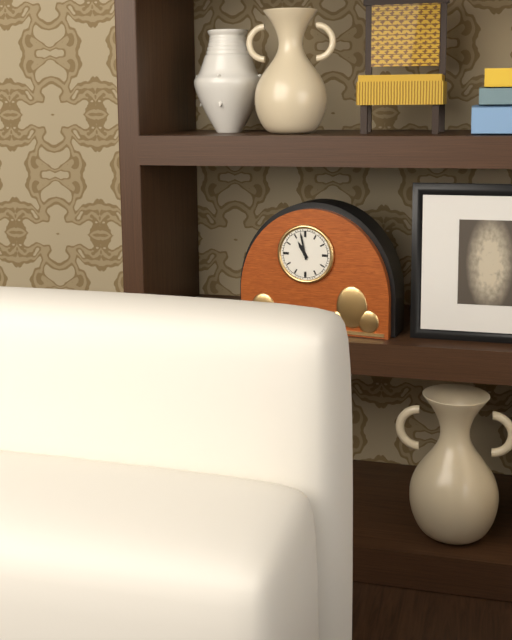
**10:58**
